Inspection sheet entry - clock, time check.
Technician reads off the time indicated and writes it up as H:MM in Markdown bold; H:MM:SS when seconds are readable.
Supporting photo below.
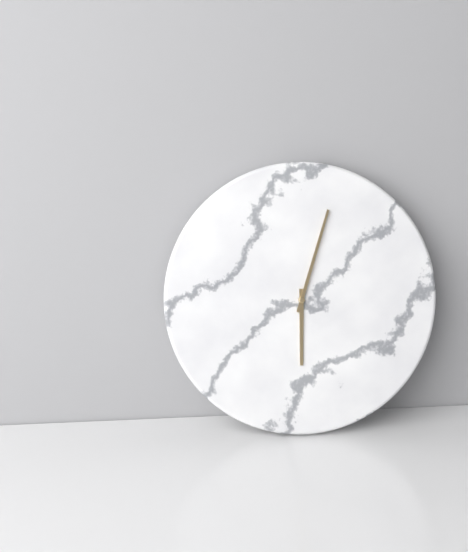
**6:03**
